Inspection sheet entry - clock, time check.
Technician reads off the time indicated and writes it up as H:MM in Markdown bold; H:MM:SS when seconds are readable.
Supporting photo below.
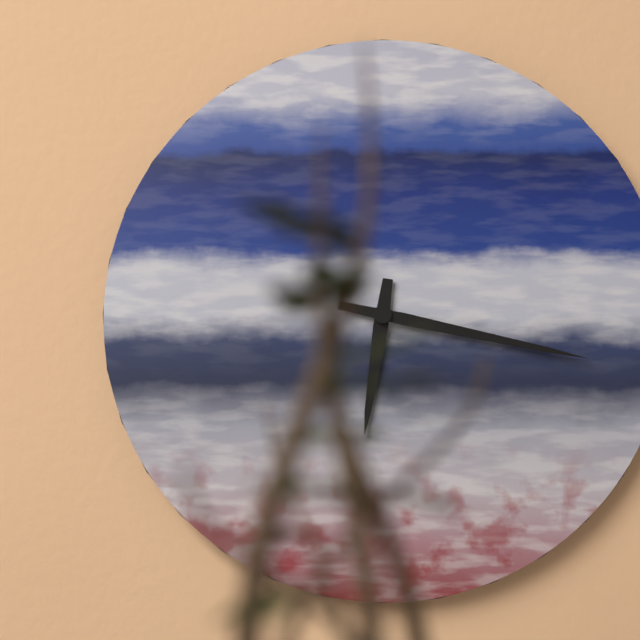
**6:17**
